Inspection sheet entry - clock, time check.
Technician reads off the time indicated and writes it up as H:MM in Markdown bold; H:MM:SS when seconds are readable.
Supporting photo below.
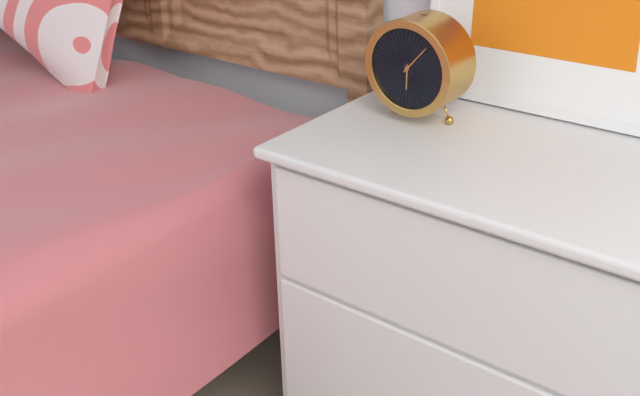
**6:07**
